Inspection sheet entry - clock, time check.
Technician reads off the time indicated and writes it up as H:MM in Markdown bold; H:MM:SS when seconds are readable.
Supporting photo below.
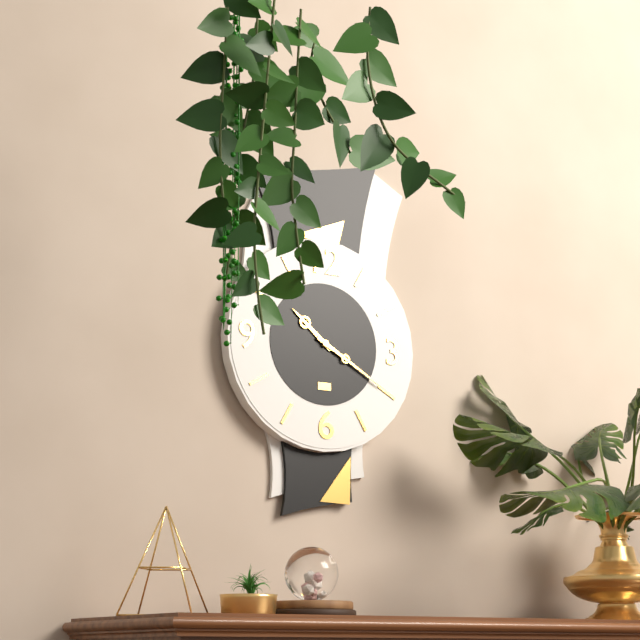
**10:20**
